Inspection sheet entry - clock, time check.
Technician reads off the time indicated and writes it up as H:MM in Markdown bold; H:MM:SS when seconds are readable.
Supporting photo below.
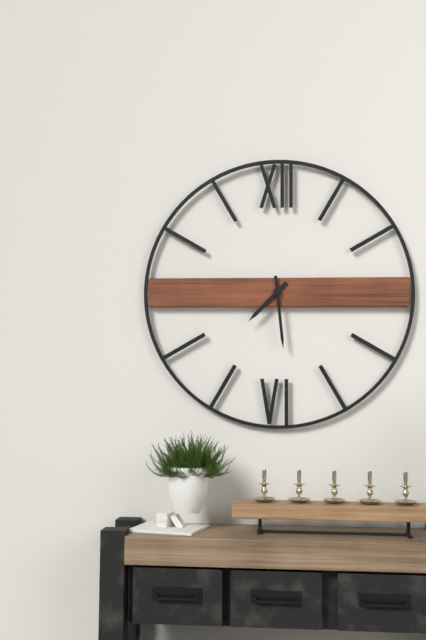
**7:29**
